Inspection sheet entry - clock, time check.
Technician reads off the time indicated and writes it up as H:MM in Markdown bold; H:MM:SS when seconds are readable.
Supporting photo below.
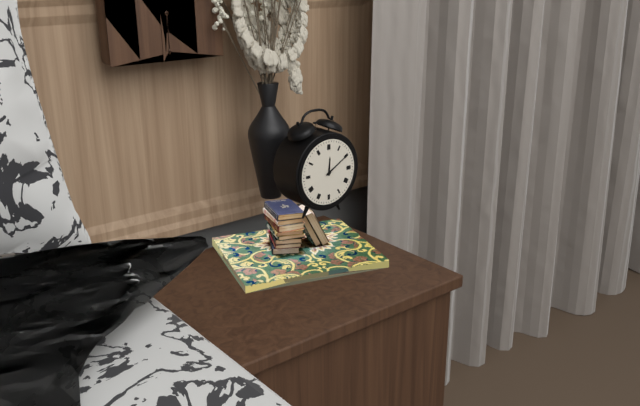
**12:10**
